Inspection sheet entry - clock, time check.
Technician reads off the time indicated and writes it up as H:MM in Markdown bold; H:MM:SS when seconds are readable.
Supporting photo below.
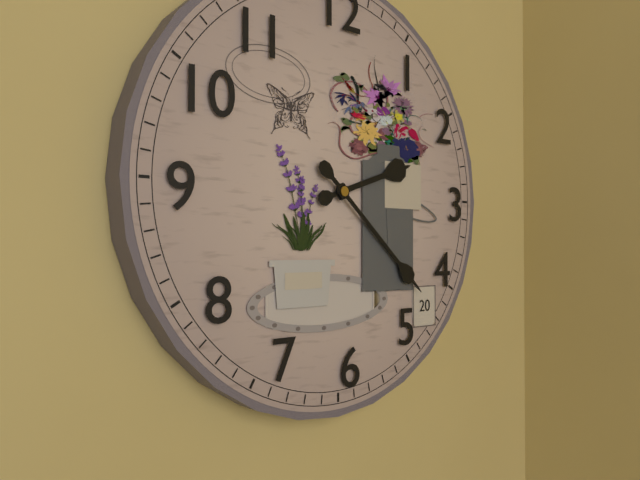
**2:22**
